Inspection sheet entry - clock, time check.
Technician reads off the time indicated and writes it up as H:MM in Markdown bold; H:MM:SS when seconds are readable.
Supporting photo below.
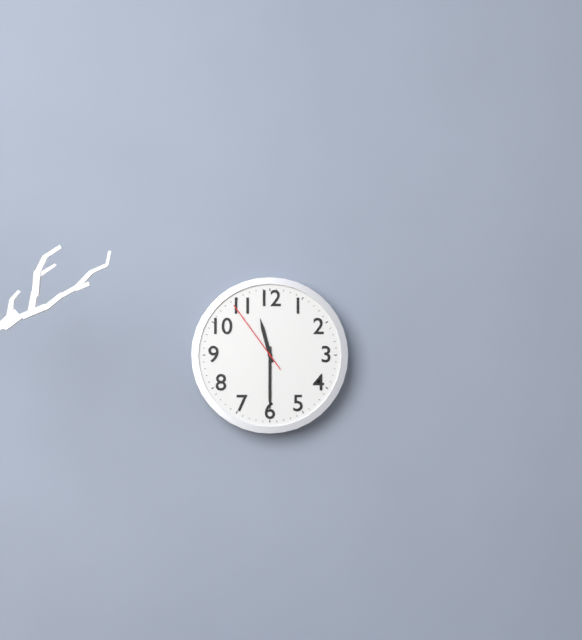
**11:30:54**
